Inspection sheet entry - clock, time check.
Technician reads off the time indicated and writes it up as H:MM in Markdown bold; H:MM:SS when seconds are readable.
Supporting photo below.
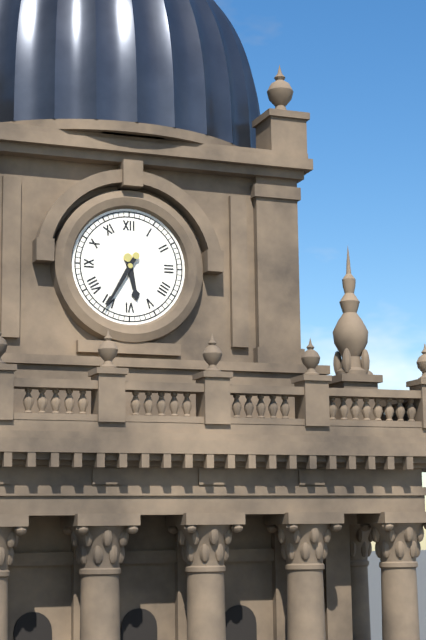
**5:35**
